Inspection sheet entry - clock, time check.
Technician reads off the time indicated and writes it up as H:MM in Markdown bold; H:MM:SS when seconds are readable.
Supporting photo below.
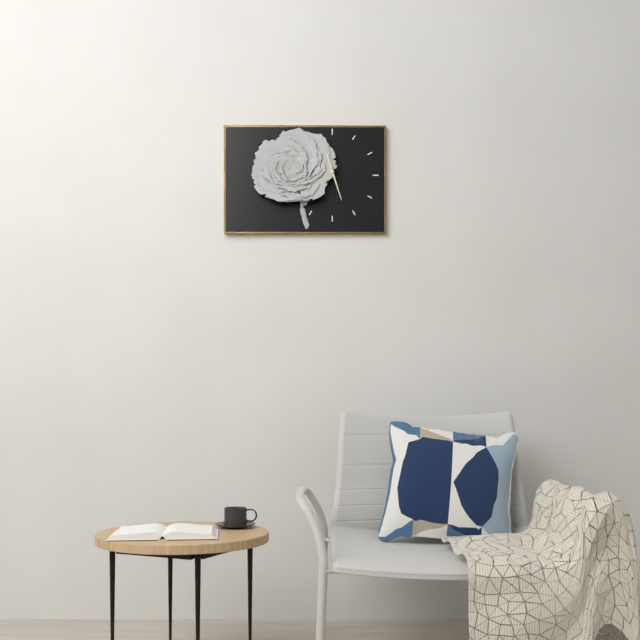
**11:27**
